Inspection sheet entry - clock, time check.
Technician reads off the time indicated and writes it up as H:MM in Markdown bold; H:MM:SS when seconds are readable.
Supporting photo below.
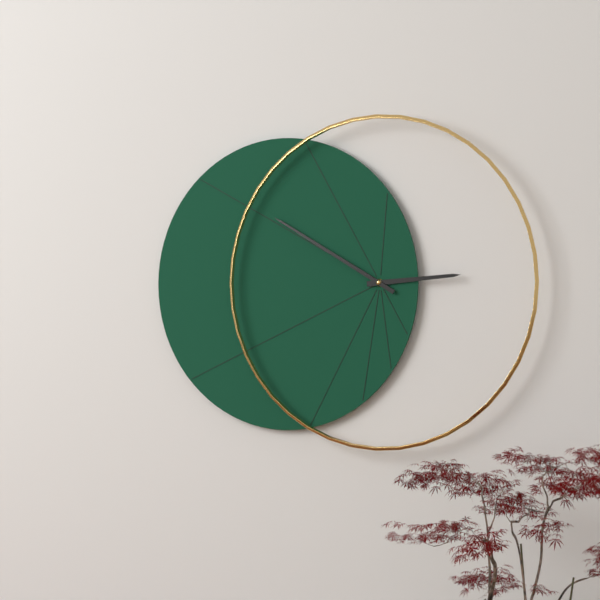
**2:50**
